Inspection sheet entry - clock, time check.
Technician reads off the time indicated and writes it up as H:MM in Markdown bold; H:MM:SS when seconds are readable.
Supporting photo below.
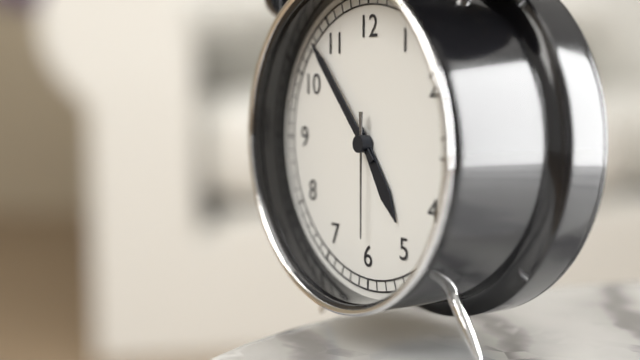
**4:53:30**
